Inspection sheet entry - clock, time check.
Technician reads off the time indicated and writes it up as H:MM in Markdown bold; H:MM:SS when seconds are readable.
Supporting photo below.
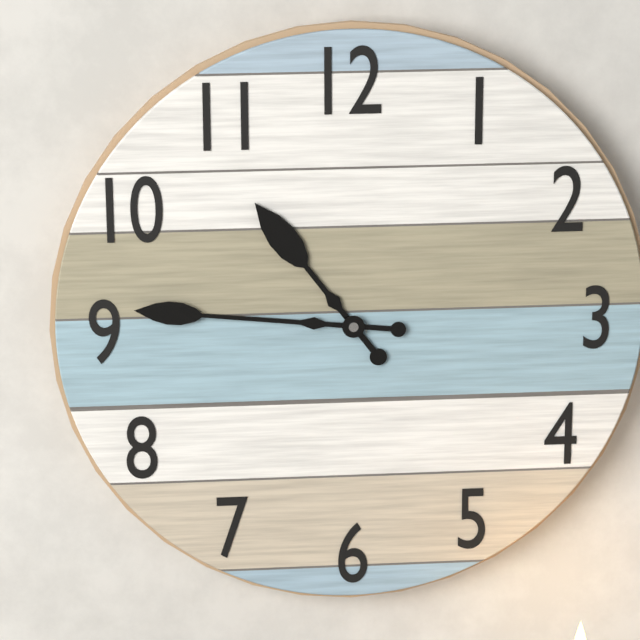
**10:46**
